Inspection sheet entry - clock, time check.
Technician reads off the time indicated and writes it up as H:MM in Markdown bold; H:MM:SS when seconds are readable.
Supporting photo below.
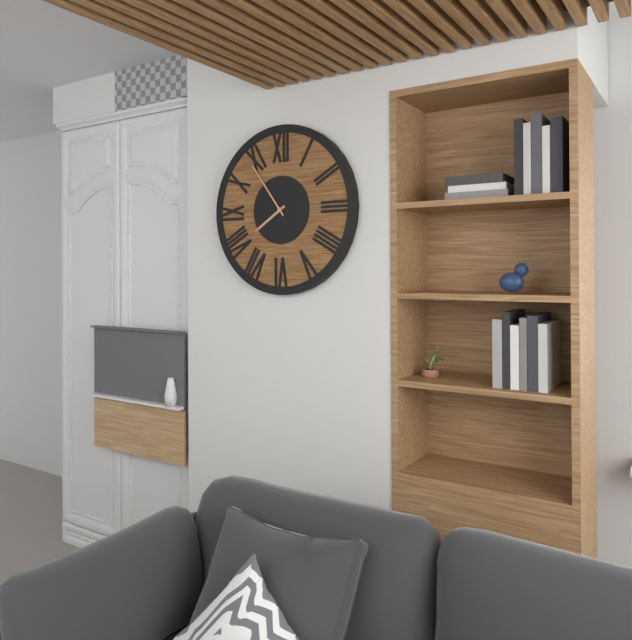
**7:54**
